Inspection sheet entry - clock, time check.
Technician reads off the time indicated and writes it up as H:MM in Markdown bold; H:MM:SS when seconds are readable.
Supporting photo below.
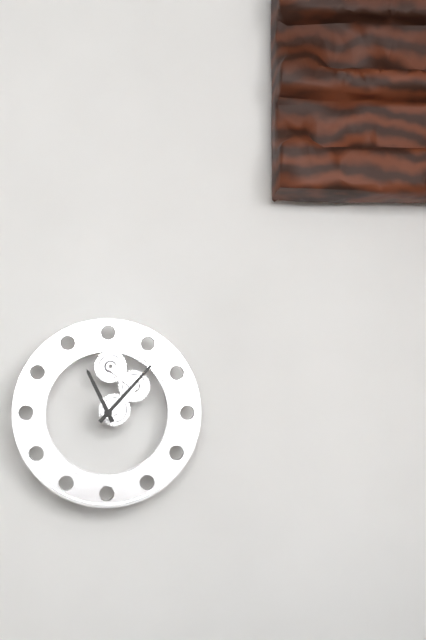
**11:07**
